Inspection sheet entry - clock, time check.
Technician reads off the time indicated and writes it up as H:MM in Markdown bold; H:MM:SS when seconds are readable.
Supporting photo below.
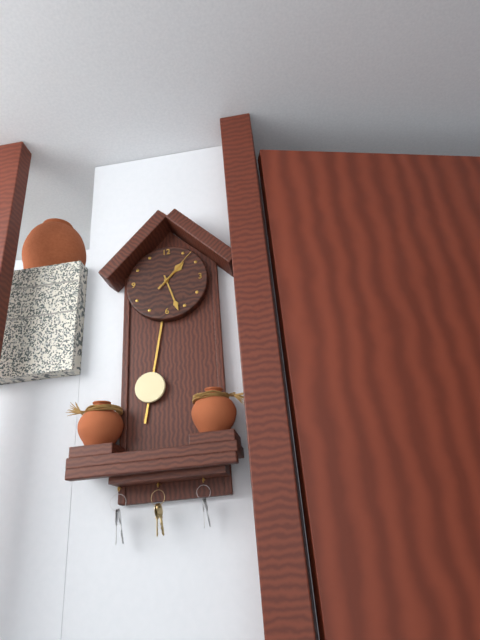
**1:27**
